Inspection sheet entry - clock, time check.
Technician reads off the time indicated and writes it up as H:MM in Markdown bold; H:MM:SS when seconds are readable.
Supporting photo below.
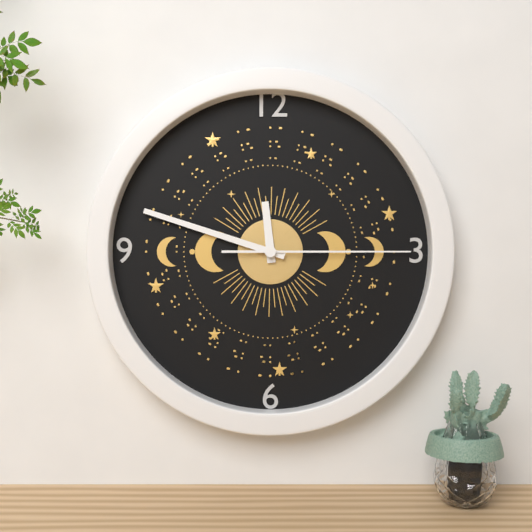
**11:48:15**
